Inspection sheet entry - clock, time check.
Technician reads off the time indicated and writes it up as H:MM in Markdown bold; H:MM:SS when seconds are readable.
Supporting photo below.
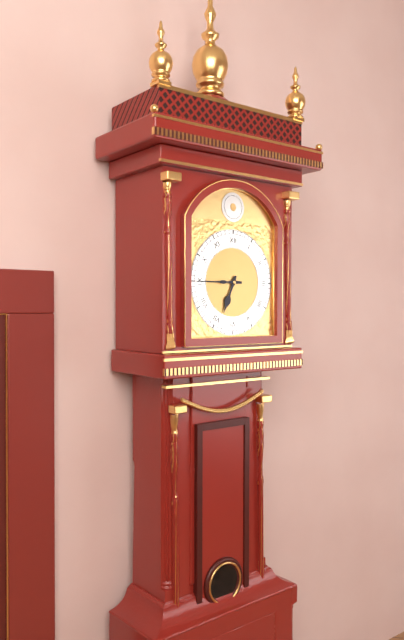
**6:45**
